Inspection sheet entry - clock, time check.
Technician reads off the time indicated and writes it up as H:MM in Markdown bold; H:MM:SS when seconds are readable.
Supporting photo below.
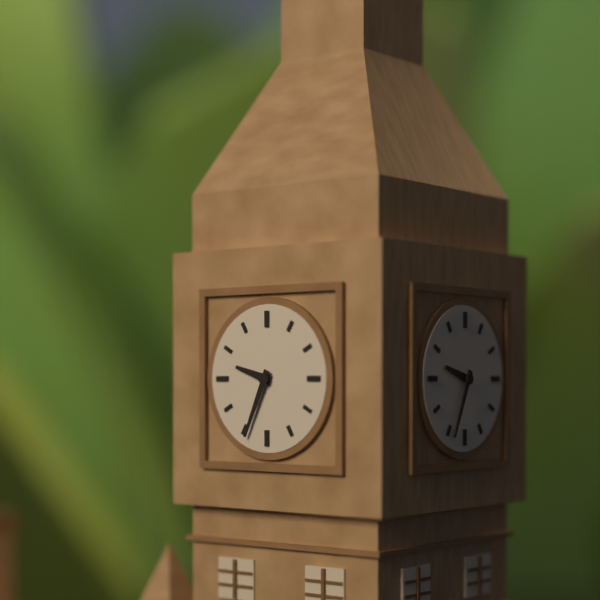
**9:34**
